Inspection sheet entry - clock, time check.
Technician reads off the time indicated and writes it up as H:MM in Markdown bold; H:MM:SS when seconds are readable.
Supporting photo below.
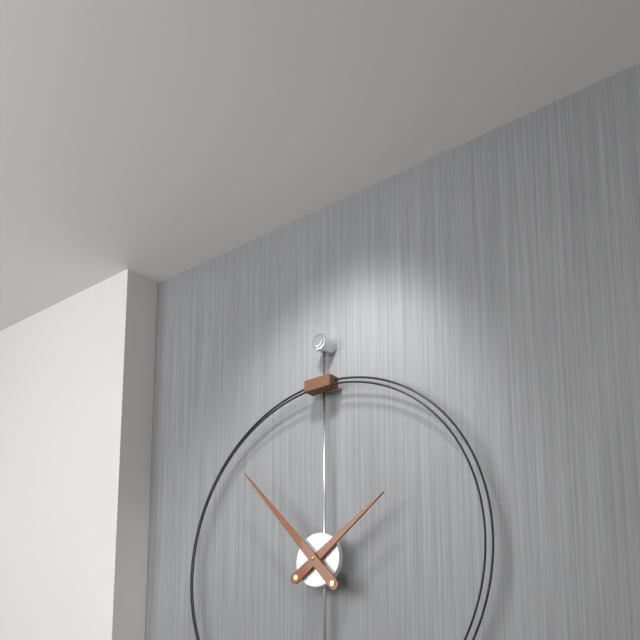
**1:53**
